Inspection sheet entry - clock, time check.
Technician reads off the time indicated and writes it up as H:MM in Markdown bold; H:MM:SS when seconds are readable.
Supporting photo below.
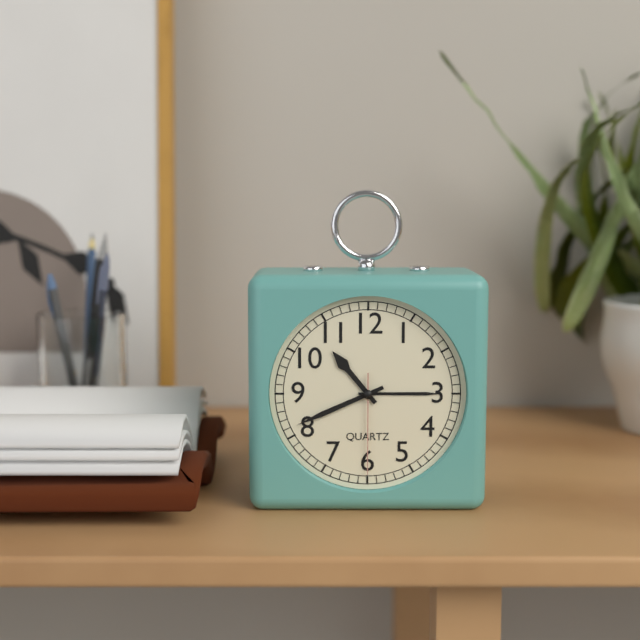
**10:41:30**
